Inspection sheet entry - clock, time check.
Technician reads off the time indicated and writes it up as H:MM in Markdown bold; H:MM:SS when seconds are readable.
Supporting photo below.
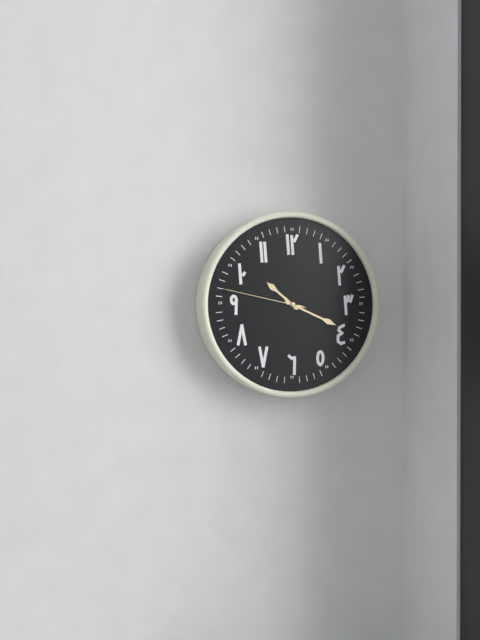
**10:19:47**
